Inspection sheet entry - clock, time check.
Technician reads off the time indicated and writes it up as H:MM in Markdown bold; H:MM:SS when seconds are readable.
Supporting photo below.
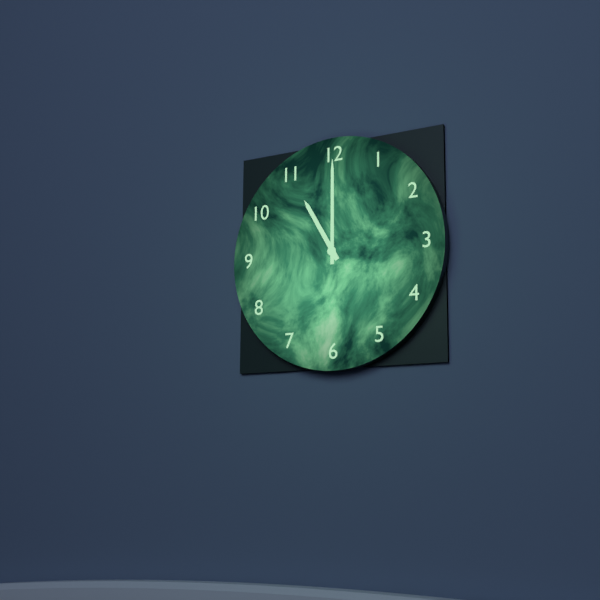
**11:00**
